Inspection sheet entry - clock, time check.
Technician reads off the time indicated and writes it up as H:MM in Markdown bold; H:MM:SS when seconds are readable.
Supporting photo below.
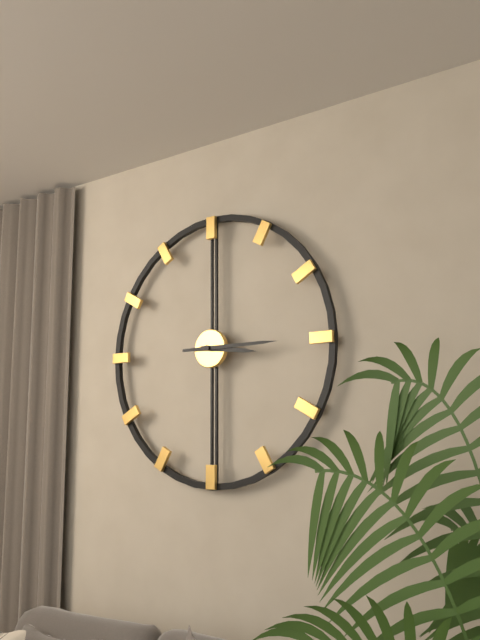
**3:15**
